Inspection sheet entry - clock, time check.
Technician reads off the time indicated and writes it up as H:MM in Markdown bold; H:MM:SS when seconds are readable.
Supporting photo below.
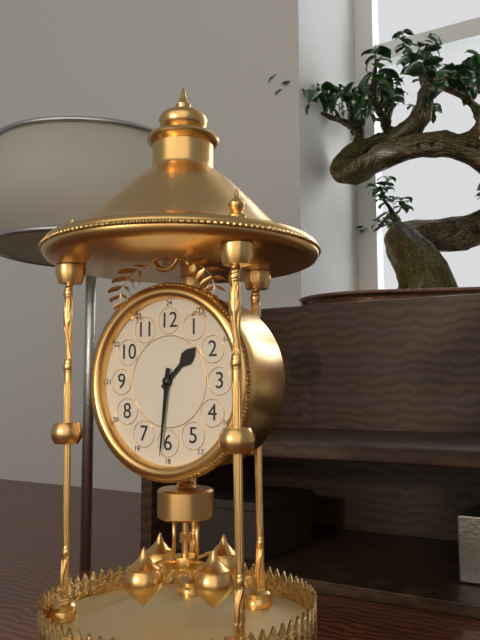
**1:31**
